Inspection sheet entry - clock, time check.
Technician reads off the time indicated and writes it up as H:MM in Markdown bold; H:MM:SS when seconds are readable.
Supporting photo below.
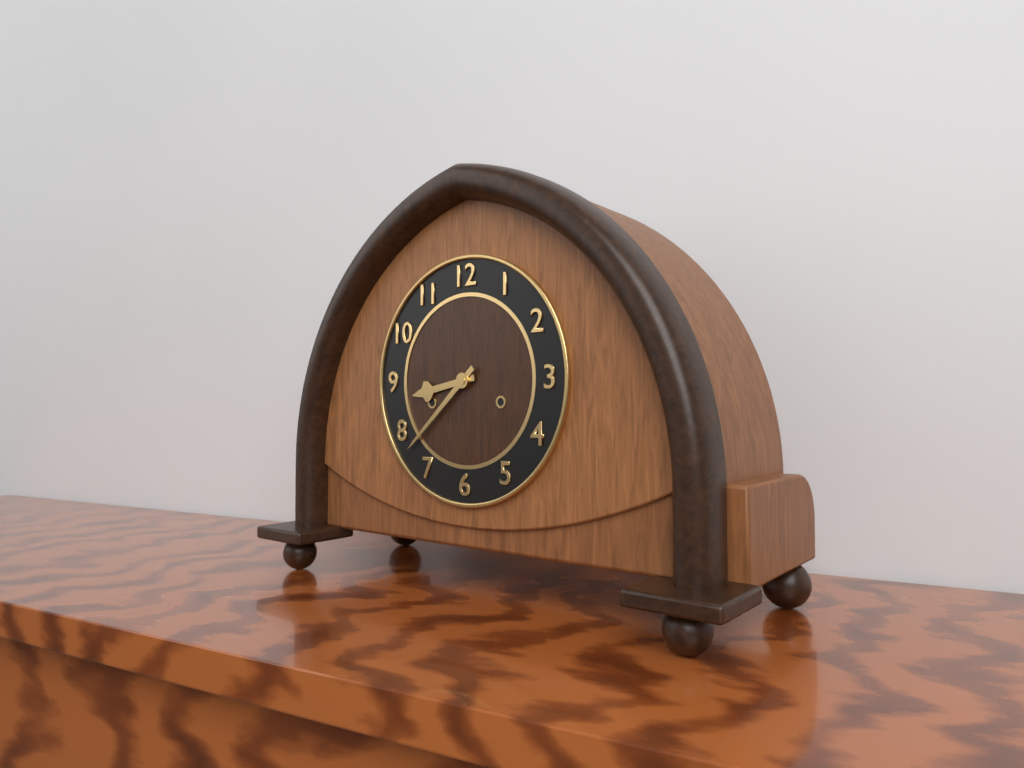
**8:38**
